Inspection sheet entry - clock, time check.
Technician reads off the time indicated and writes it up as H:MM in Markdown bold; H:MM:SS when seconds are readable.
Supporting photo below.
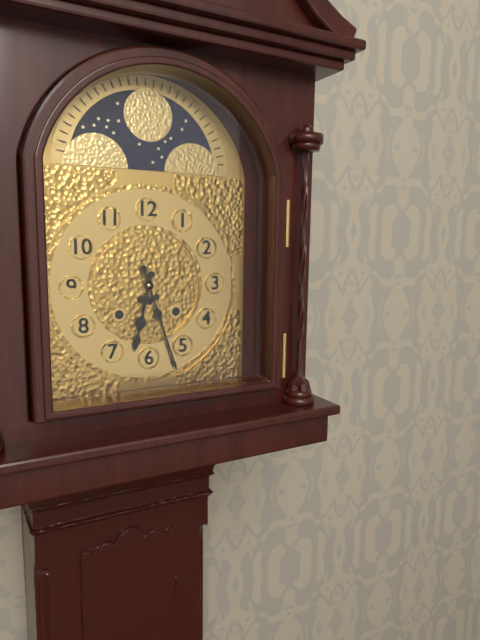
**6:27**
